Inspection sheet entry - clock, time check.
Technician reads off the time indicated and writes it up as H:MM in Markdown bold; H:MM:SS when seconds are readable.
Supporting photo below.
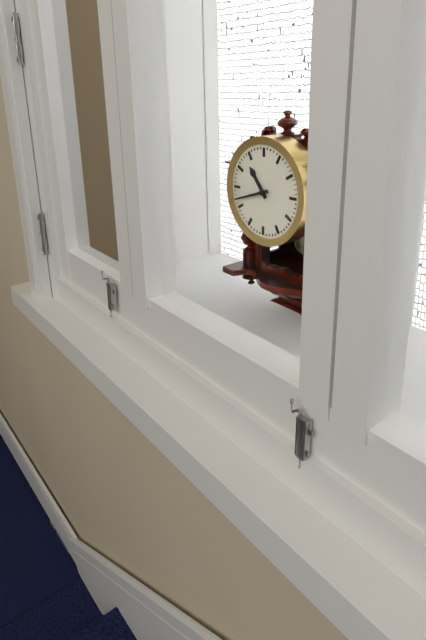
**10:42**
